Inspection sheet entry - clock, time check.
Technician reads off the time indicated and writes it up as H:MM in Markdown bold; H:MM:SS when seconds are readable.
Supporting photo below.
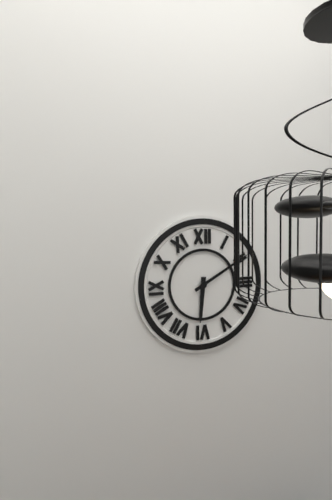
**6:10**
